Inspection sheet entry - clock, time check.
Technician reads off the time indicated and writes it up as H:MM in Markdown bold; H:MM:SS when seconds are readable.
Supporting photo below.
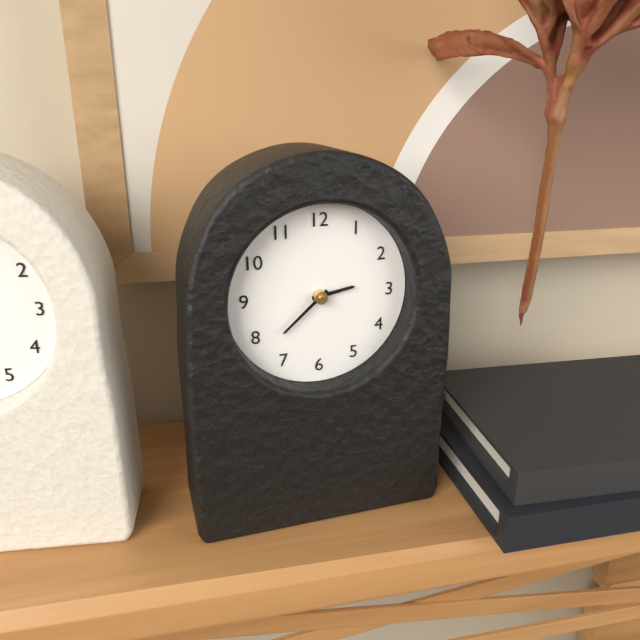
**2:38**
